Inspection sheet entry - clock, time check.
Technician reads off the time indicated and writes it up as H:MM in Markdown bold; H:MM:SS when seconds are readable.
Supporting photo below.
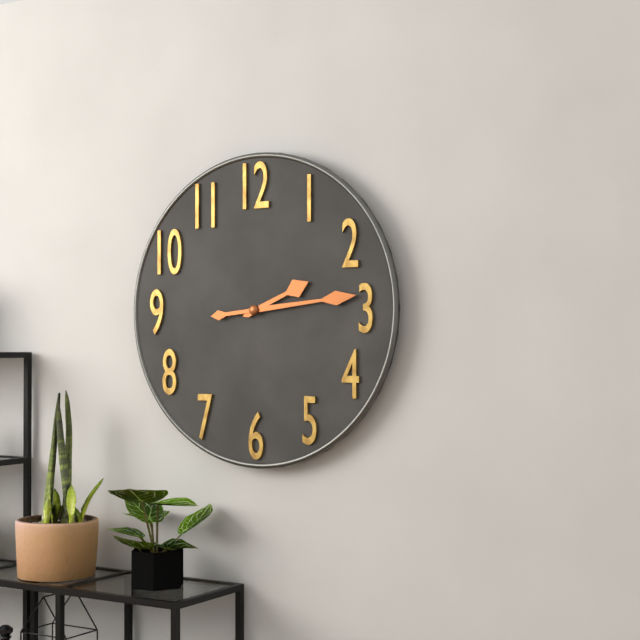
**2:14**
